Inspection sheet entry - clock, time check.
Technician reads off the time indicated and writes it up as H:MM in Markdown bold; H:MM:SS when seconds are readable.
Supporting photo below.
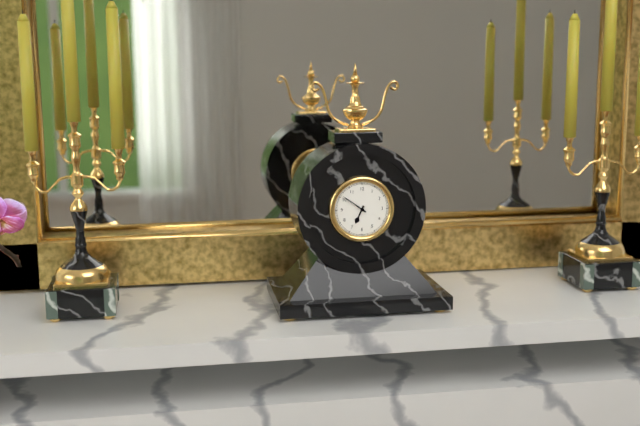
**6:51**
